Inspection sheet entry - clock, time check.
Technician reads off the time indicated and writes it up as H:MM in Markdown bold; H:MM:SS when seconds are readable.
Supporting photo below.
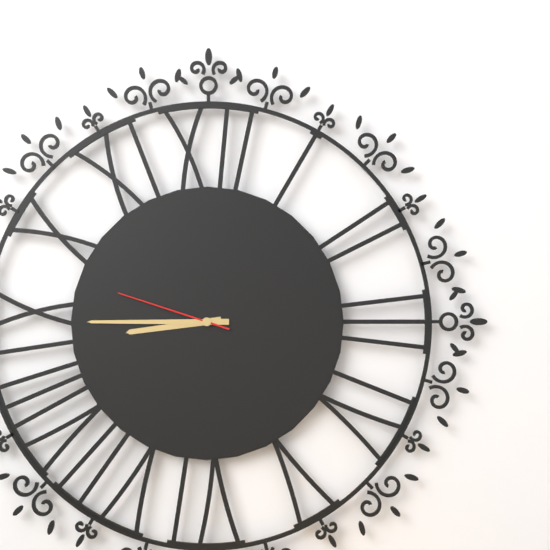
**8:45:48**
